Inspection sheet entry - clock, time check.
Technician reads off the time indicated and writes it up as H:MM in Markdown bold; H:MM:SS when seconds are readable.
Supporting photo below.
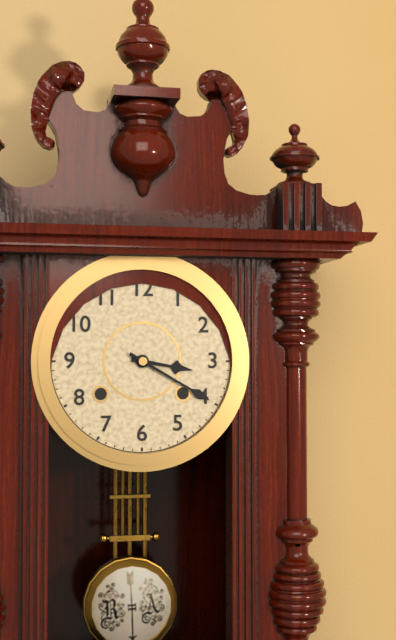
**3:20**
